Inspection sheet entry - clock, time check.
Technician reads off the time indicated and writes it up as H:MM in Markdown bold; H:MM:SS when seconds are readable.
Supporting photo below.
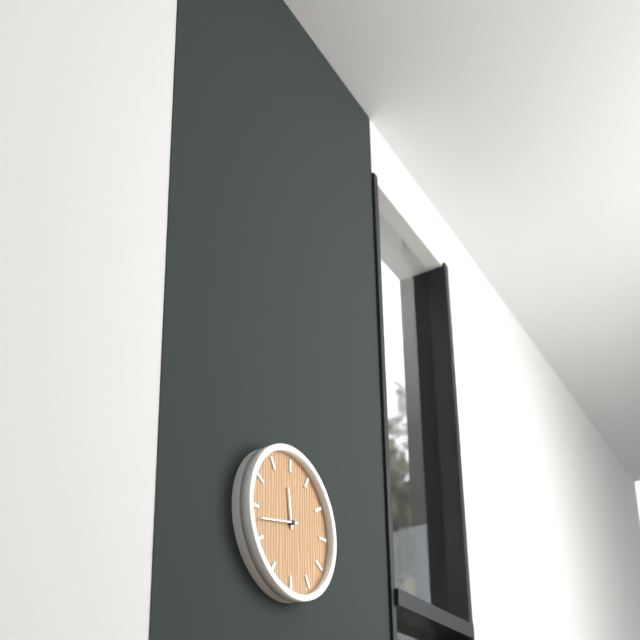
**11:43**
